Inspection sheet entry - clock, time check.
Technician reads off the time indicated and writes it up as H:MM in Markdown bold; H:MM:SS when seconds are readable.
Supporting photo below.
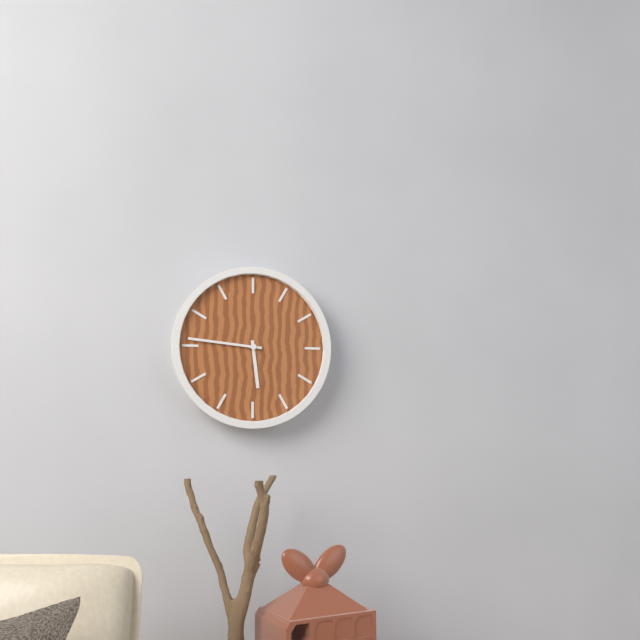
**5:46**
